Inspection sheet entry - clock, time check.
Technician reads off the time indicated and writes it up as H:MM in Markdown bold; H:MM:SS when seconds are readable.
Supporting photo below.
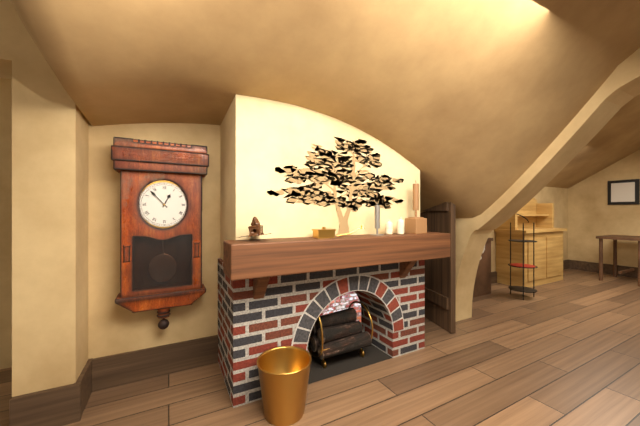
**12:53**
